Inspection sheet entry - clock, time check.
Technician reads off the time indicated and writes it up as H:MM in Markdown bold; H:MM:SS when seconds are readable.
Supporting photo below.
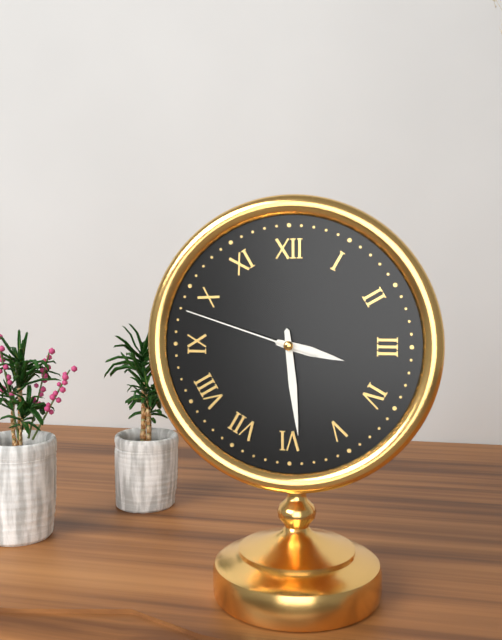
**3:29:48**
